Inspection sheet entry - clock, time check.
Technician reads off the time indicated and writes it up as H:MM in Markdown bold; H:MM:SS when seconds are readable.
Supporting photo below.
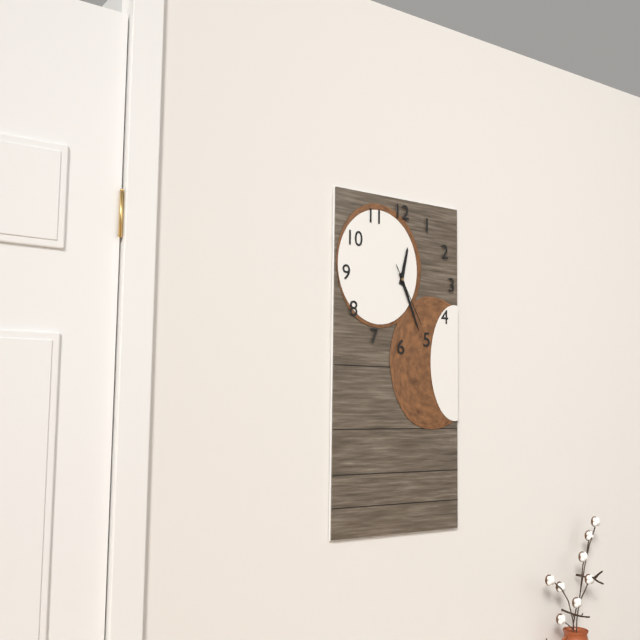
**12:26:25**
